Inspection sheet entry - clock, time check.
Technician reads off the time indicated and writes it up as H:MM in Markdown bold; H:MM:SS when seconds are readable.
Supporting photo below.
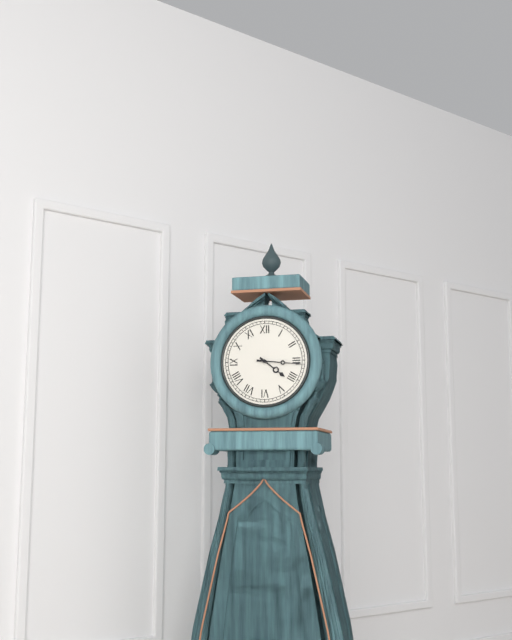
**4:16**
